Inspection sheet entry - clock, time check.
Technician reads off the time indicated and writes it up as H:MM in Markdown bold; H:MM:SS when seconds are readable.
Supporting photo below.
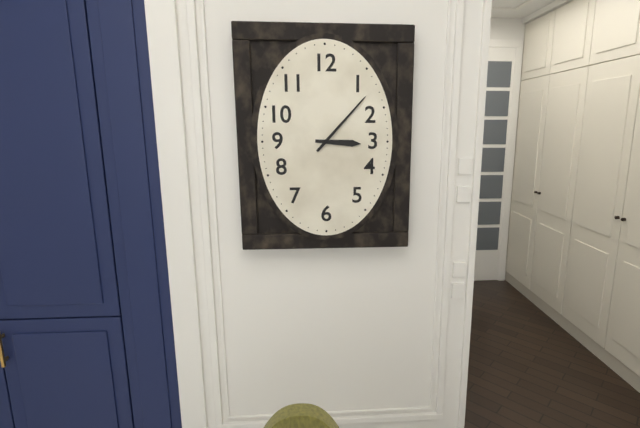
**3:07**
